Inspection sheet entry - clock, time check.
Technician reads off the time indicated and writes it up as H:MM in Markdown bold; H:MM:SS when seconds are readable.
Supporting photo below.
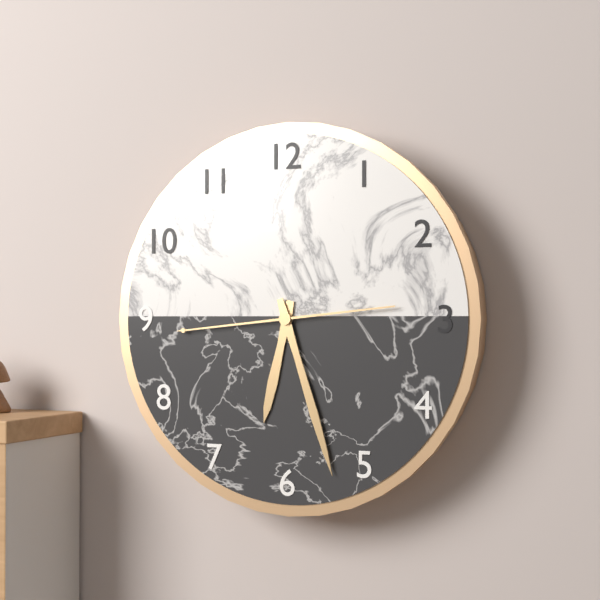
**6:27:44**
